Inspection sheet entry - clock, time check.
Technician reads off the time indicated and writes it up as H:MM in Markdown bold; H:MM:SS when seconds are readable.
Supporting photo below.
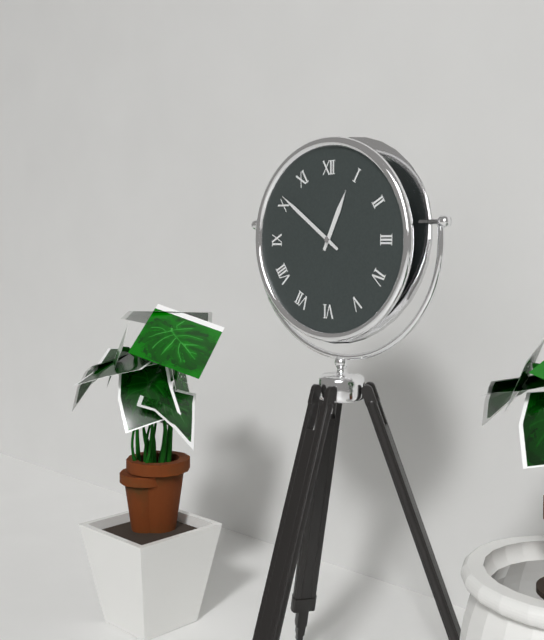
**12:51**
